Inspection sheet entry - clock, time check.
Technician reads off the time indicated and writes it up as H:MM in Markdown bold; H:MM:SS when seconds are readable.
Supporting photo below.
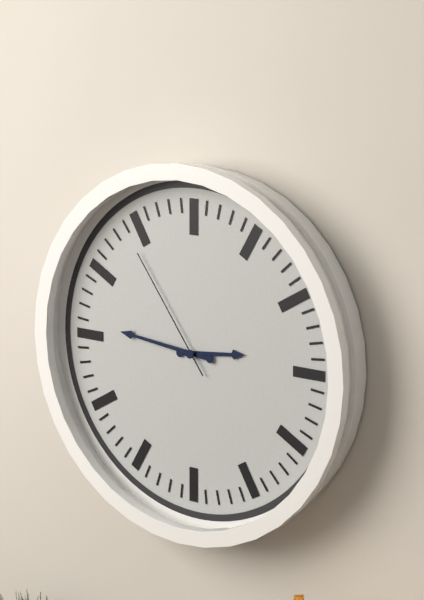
**2:46:54**
